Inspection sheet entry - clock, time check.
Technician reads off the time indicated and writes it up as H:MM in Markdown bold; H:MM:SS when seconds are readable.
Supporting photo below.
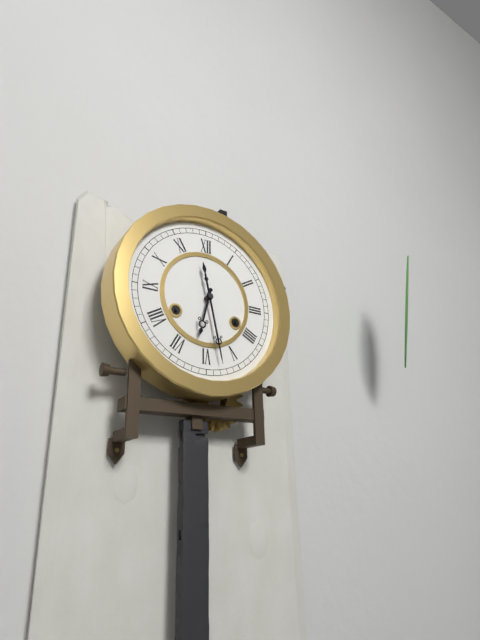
**6:28**
